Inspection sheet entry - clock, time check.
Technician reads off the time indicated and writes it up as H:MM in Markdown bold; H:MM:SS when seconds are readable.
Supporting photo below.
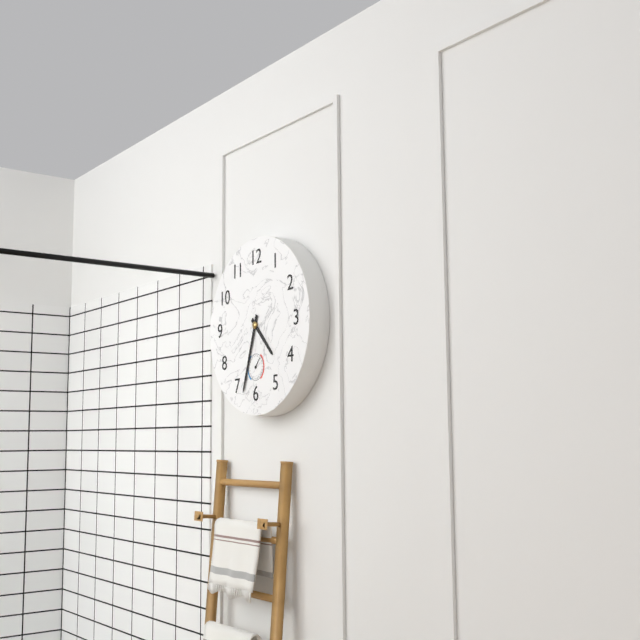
**4:33**
